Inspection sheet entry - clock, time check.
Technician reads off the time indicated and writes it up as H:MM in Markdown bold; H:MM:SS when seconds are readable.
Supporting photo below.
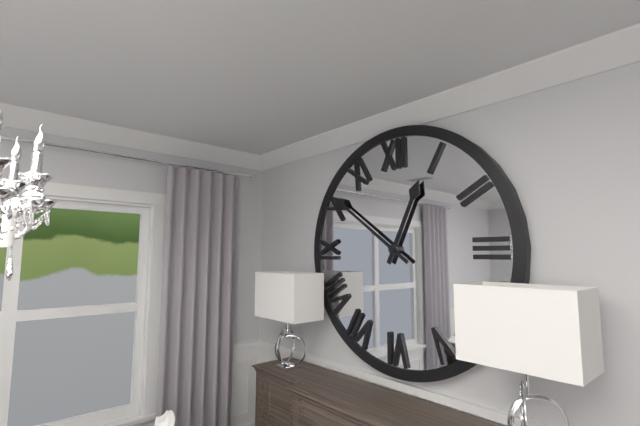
**12:51**
